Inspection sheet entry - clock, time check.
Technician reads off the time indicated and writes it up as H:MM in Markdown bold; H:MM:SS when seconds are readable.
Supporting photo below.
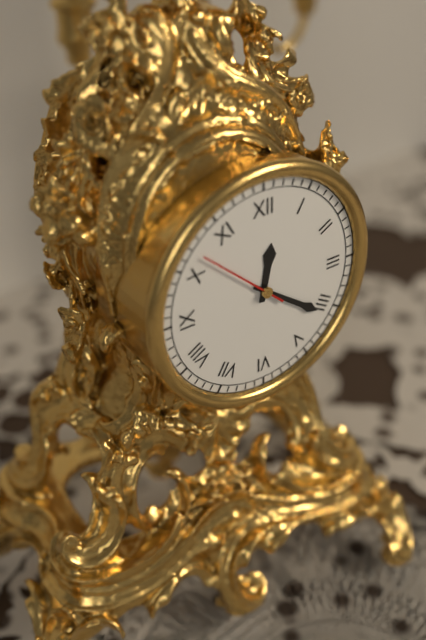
**12:21:52**
